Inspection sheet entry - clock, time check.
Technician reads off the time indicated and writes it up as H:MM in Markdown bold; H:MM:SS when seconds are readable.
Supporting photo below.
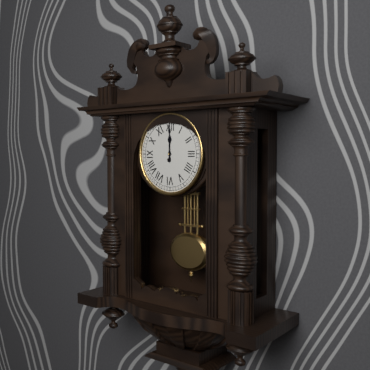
**12:00**
